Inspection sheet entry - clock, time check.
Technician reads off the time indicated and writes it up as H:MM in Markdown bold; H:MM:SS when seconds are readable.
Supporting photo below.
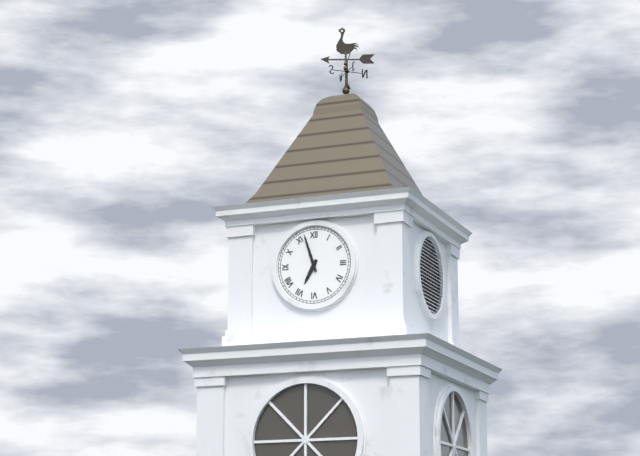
**6:57**
